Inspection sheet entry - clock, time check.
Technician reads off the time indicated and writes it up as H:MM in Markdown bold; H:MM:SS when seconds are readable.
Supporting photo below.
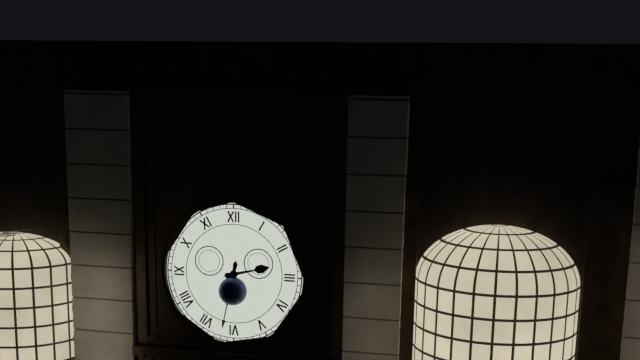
**2:32**
